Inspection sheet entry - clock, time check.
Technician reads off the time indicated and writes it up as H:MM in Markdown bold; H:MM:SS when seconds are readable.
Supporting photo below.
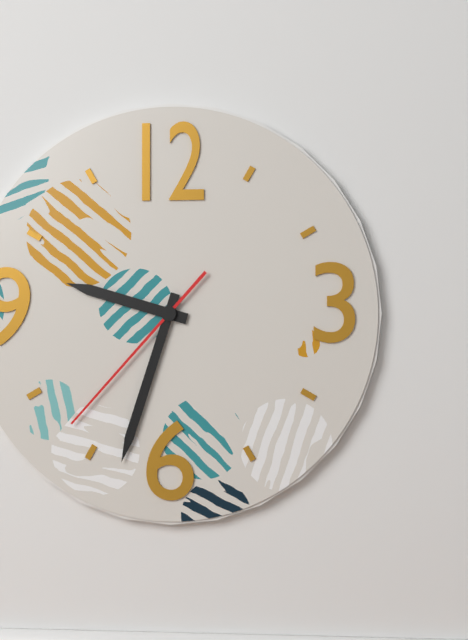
**9:33:37**
